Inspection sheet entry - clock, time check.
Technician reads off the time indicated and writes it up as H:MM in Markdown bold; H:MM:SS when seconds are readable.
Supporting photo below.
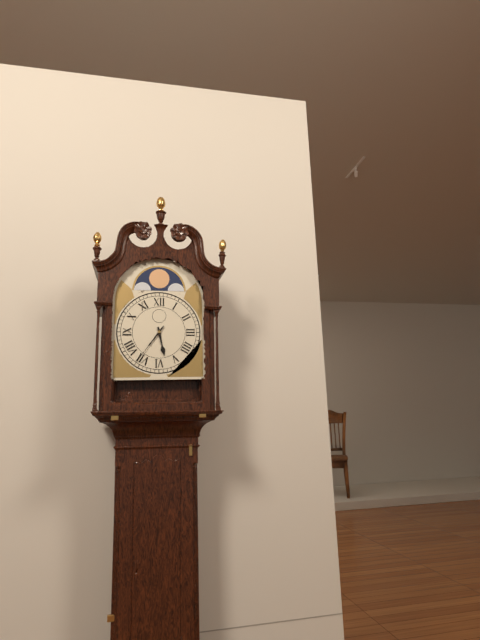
**5:36**
